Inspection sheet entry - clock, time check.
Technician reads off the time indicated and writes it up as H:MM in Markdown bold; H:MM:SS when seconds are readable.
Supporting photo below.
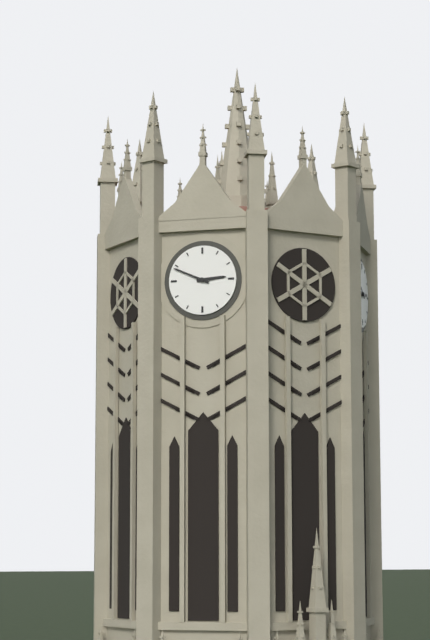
**2:49**
